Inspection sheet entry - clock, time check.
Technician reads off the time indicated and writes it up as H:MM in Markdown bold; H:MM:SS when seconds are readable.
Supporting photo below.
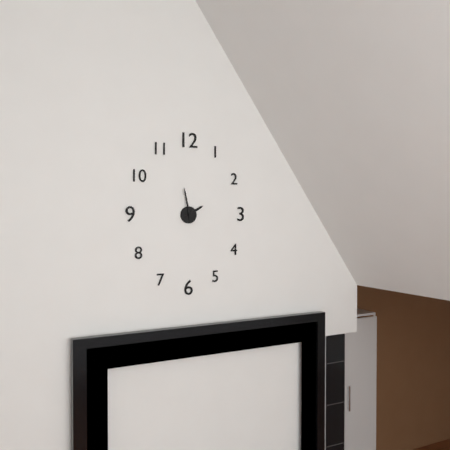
**1:58**
